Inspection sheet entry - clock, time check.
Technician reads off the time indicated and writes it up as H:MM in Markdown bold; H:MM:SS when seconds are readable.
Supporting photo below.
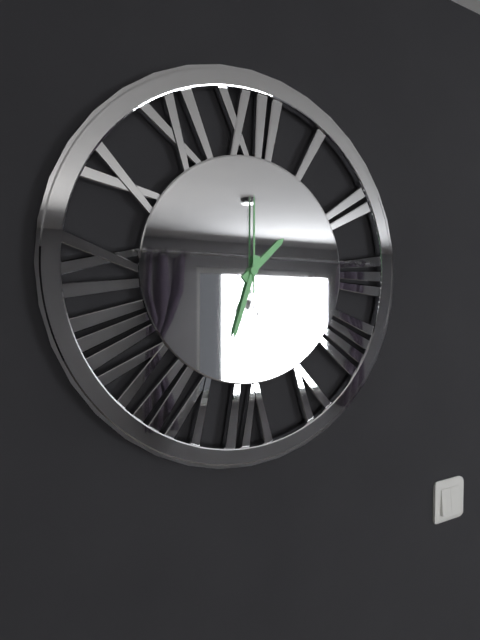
**1:33:00**
